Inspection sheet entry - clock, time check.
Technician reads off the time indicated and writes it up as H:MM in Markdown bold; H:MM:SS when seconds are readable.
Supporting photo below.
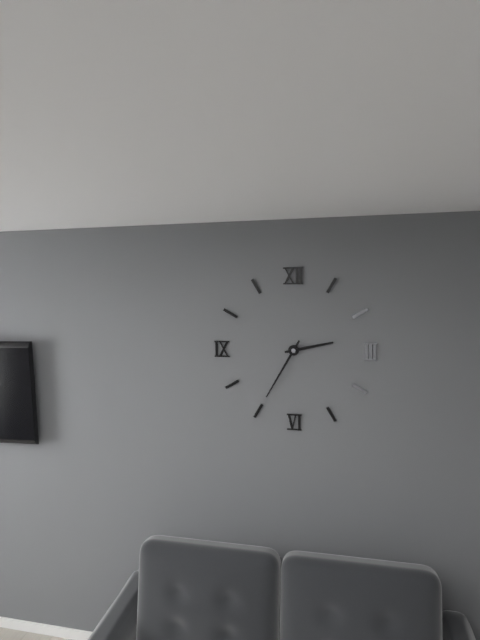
**2:35**
